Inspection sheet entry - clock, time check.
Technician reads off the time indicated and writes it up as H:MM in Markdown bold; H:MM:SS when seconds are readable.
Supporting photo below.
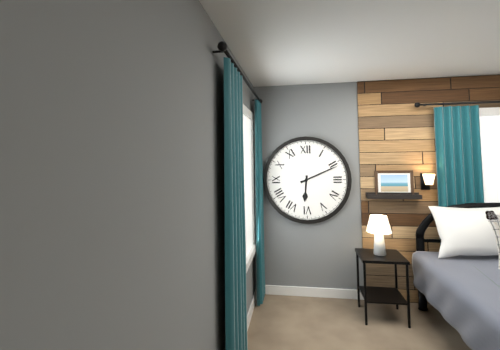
**6:11**
